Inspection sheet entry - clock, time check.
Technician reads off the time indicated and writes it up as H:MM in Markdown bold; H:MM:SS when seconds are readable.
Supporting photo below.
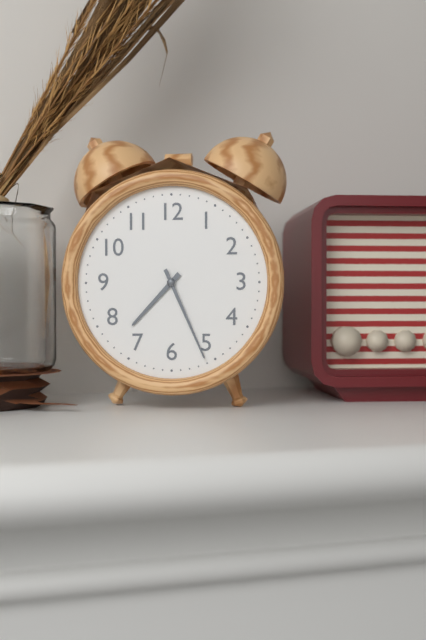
**7:26**
